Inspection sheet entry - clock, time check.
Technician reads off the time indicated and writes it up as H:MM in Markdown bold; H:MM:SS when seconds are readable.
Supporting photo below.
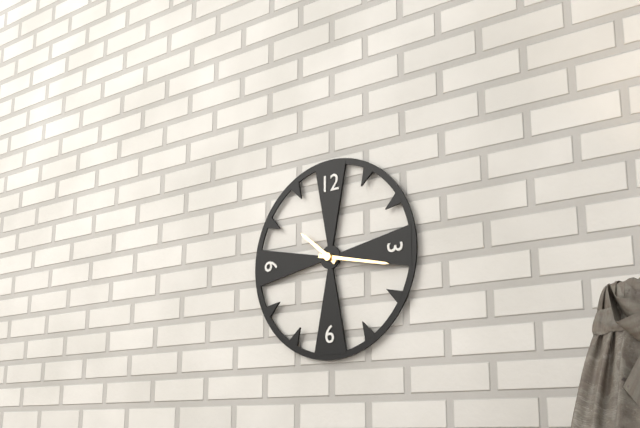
**10:17**
